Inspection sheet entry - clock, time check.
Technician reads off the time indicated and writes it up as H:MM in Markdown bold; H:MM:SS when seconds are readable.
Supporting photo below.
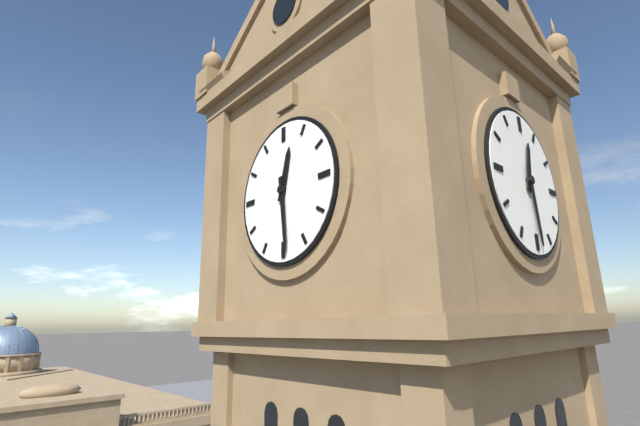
**12:29**
